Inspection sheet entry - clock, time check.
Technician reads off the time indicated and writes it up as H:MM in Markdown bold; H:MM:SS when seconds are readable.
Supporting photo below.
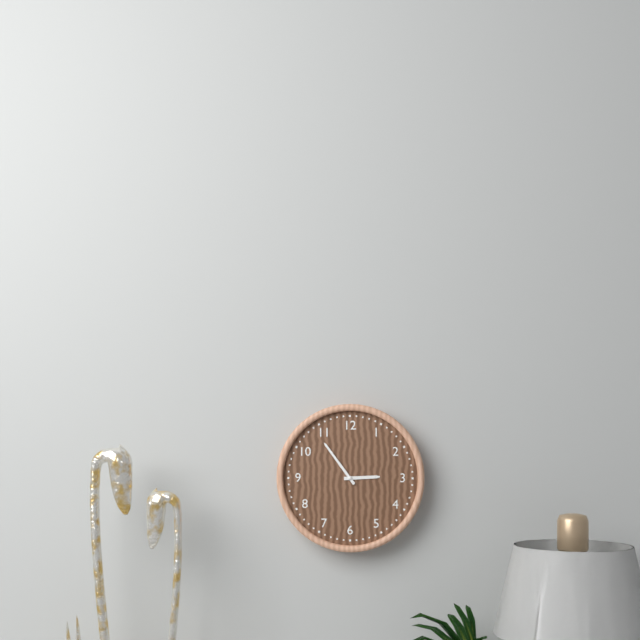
**2:54**
